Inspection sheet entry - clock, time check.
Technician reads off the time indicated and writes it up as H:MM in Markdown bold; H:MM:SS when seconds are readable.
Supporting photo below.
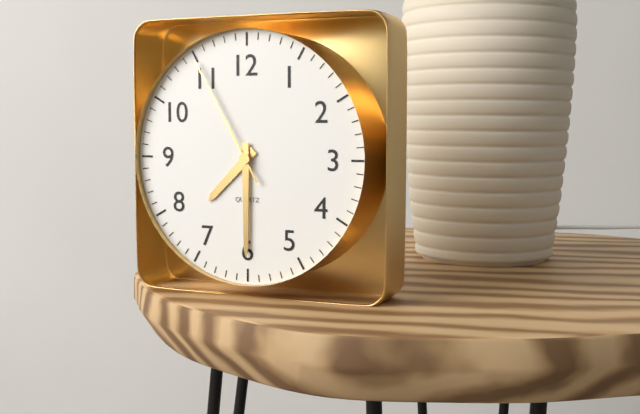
**7:30:55**
